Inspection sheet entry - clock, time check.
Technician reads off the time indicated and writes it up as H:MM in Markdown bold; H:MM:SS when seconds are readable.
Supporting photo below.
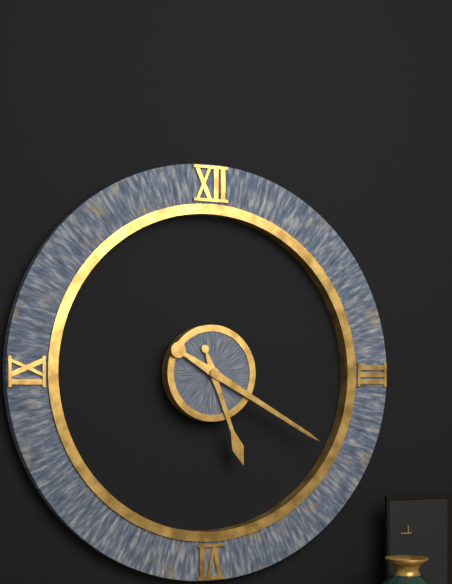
**5:20**
